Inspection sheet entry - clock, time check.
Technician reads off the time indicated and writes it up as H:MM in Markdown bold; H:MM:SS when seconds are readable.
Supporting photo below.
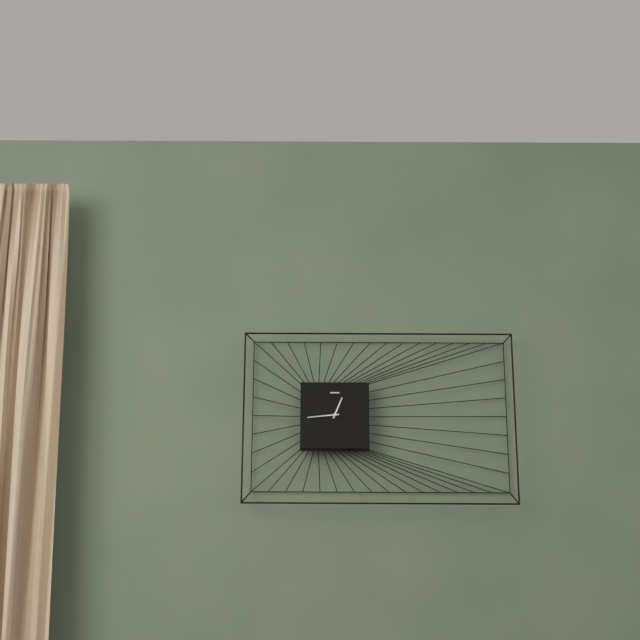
**12:44**
